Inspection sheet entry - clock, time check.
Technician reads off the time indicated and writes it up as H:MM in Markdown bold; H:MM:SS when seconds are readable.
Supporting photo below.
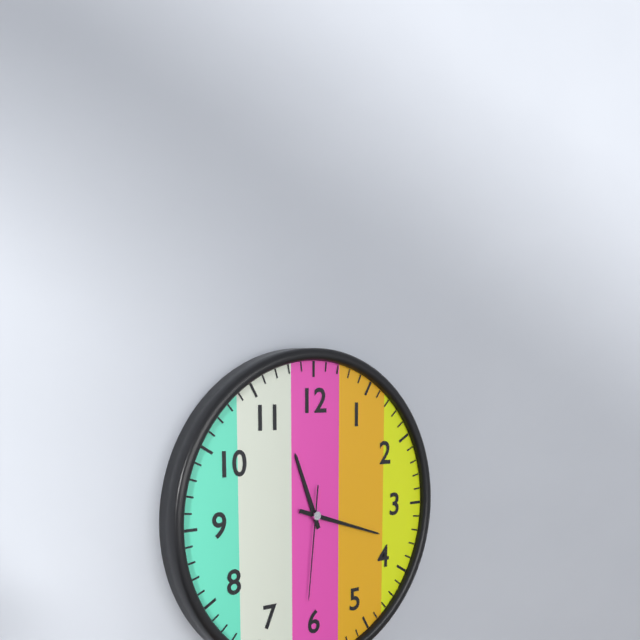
**11:18:31**
